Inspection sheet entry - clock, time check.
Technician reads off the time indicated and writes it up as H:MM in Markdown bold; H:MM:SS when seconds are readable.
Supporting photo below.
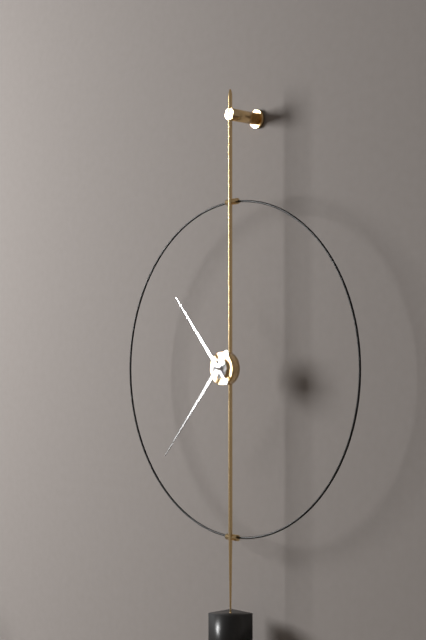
**10:37**
